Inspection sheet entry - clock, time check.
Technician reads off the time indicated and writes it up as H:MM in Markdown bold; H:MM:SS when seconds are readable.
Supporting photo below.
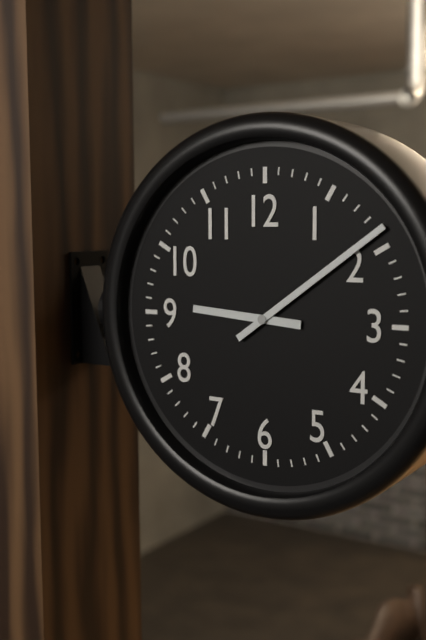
**9:09**
